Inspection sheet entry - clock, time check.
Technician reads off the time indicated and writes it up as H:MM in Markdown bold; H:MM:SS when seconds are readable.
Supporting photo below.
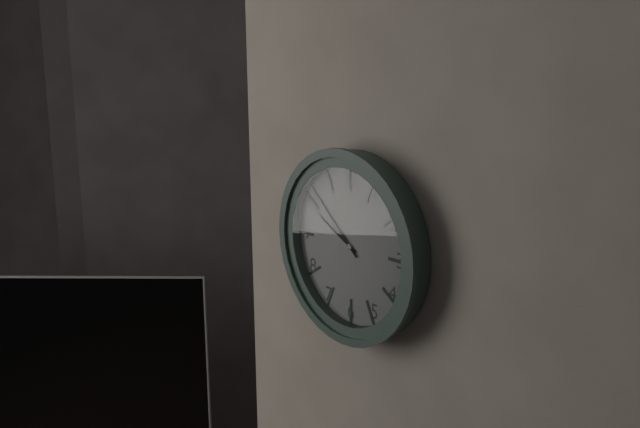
**9:52**
